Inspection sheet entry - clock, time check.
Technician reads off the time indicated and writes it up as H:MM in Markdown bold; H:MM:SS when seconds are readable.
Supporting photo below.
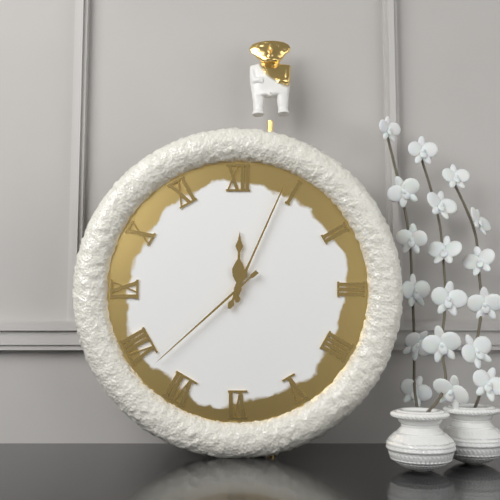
**12:04:38**
